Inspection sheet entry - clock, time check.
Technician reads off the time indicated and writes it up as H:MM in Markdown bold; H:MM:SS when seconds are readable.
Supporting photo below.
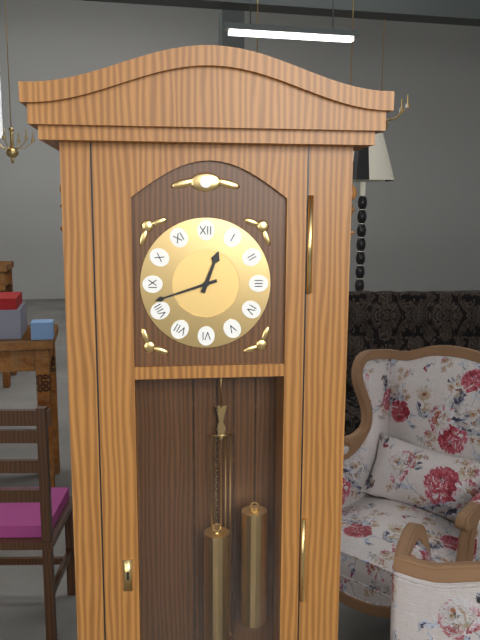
**12:42**
